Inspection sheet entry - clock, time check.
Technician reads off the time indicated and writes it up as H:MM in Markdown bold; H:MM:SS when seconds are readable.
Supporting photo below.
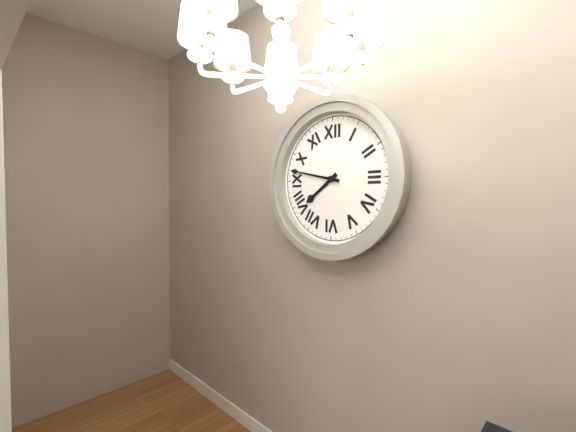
**7:47**
